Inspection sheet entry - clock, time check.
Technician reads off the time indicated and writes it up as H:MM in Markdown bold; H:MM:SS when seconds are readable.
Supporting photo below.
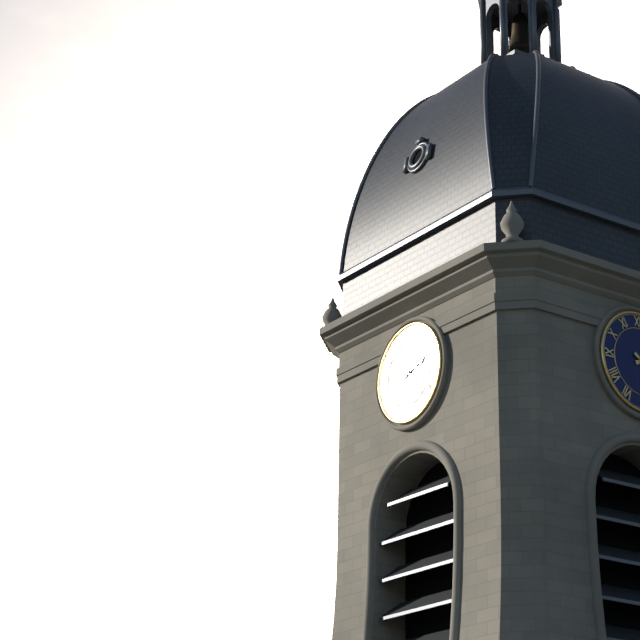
**2:21**
